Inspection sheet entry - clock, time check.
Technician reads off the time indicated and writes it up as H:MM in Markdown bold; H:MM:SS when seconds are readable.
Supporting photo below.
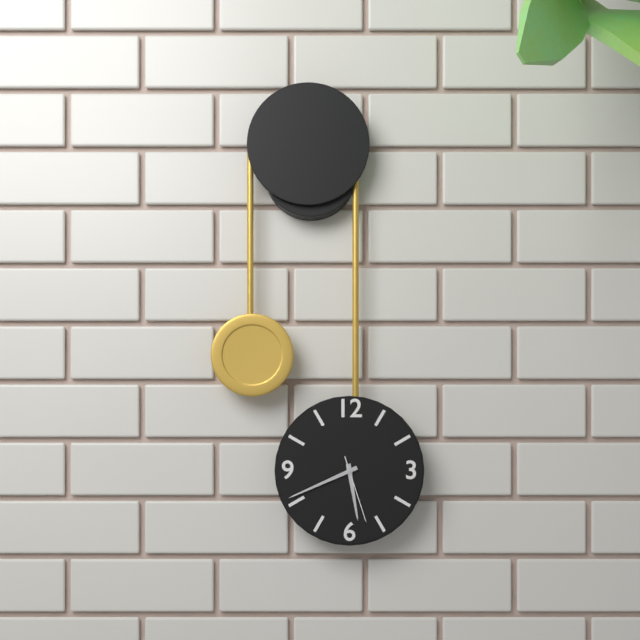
**5:41:27**
